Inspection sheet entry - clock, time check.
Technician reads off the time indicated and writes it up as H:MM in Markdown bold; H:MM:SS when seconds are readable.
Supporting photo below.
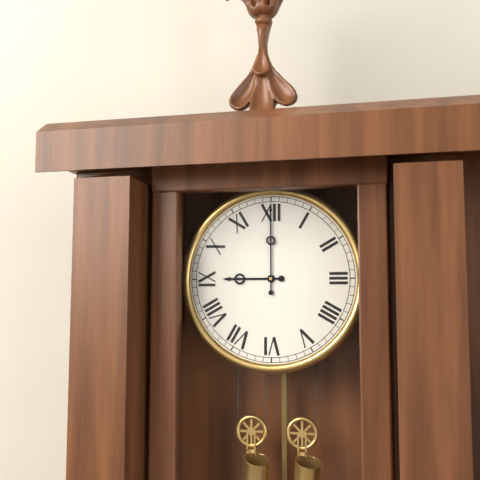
**9:00**
